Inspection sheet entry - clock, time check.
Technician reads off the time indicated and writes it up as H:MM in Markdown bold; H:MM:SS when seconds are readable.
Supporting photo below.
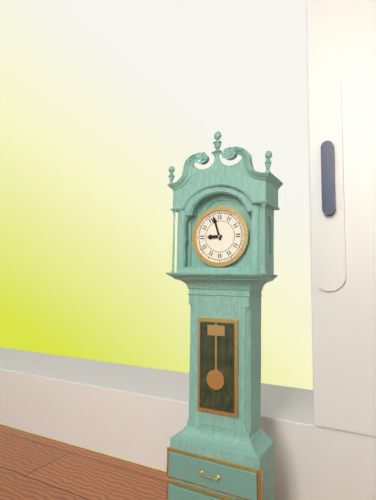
**8:57**
